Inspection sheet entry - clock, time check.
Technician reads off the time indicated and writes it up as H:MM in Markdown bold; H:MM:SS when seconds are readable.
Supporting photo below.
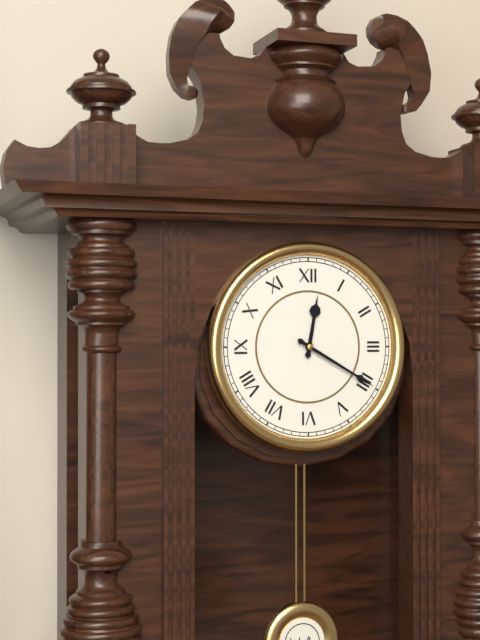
**12:20**
